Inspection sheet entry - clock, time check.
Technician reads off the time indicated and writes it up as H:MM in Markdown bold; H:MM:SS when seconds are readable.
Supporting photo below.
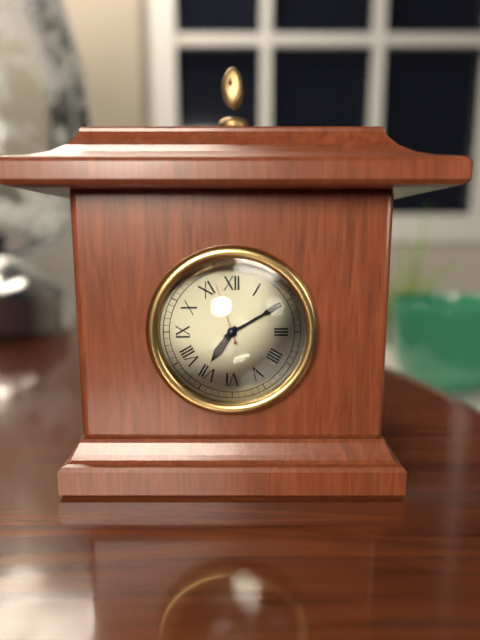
**7:10:57**
